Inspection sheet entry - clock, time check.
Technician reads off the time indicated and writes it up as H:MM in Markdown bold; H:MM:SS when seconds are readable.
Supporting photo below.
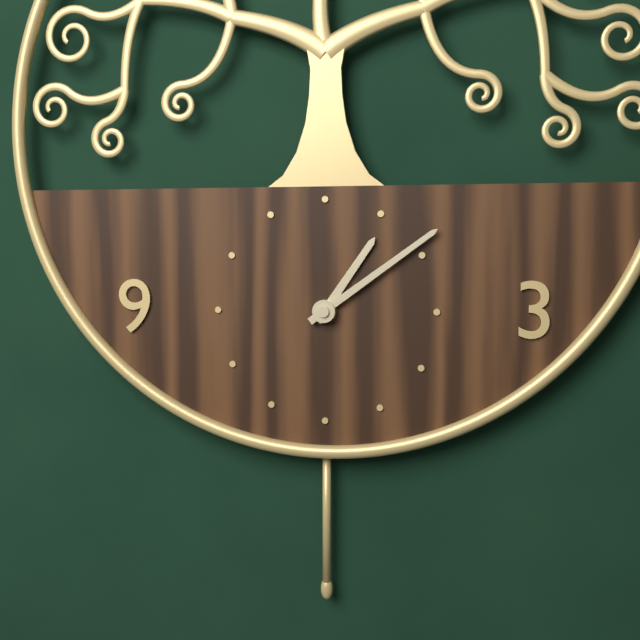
**1:09**
